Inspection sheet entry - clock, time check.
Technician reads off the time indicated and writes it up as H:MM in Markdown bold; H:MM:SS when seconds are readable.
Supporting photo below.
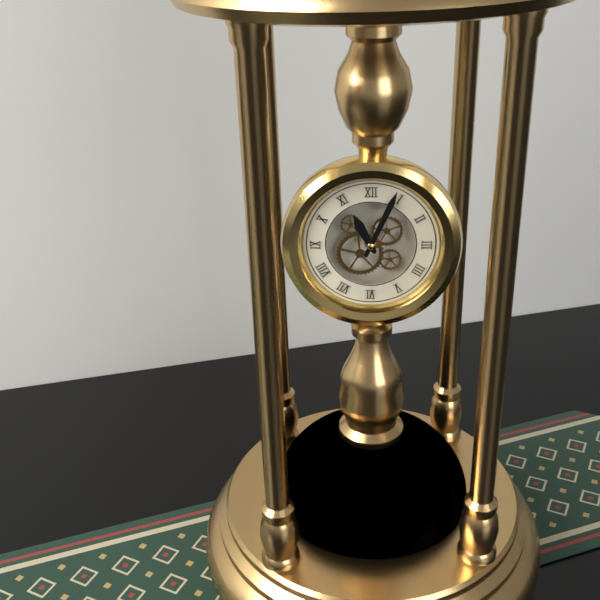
**11:04**
